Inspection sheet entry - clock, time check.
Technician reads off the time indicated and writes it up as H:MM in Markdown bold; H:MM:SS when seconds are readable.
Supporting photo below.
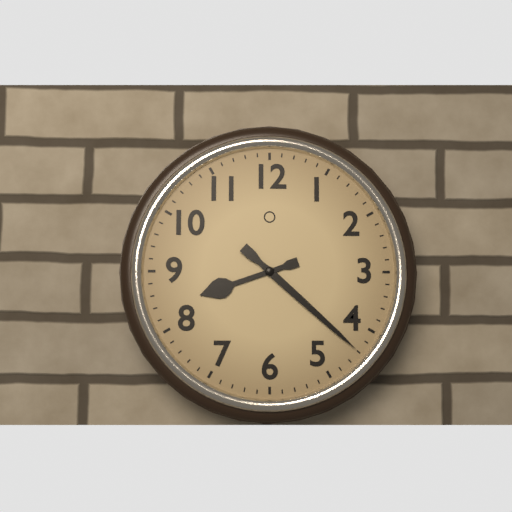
**8:22**
